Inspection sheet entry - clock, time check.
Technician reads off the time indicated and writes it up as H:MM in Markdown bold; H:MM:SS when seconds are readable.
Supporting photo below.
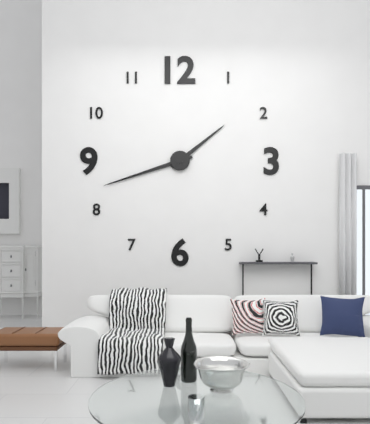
**1:42**
